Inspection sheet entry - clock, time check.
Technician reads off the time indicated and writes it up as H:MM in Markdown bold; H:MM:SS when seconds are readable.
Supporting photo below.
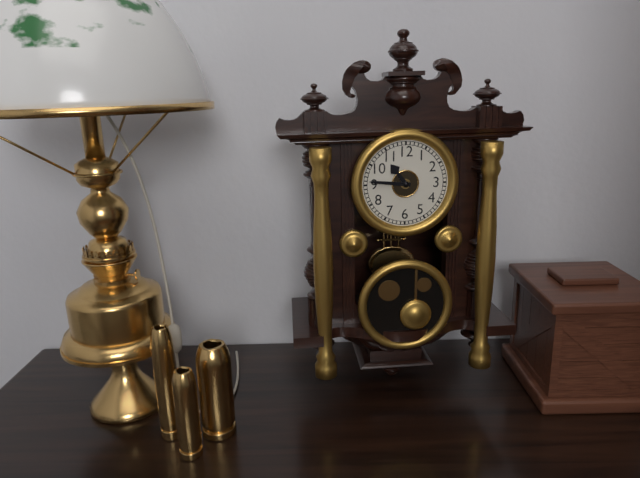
**10:46**
